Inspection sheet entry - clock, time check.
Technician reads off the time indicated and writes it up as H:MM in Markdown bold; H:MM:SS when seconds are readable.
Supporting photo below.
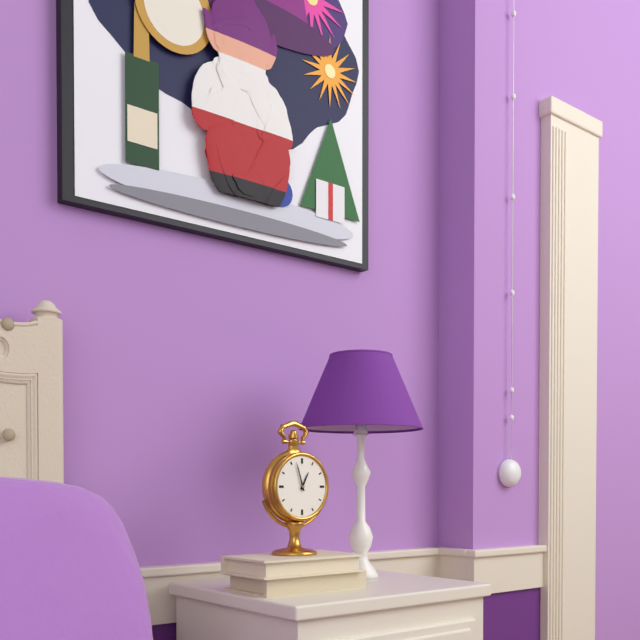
**12:57**
